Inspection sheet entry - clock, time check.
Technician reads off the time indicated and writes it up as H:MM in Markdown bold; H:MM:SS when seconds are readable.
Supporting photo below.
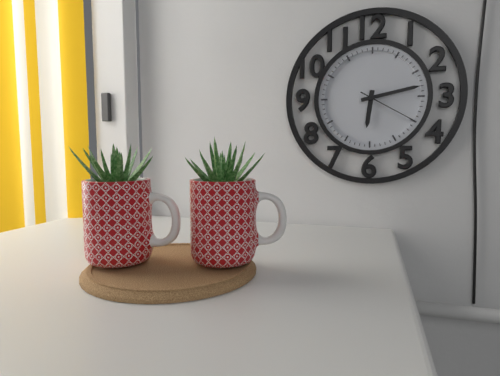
**6:13:20**
